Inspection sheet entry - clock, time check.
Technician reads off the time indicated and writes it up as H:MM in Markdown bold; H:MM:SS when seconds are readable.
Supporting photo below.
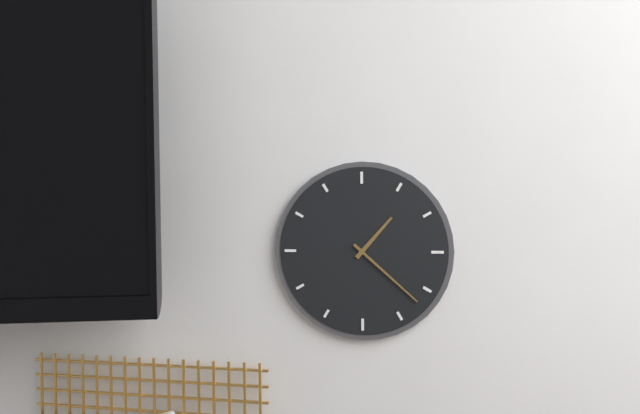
**1:22**
